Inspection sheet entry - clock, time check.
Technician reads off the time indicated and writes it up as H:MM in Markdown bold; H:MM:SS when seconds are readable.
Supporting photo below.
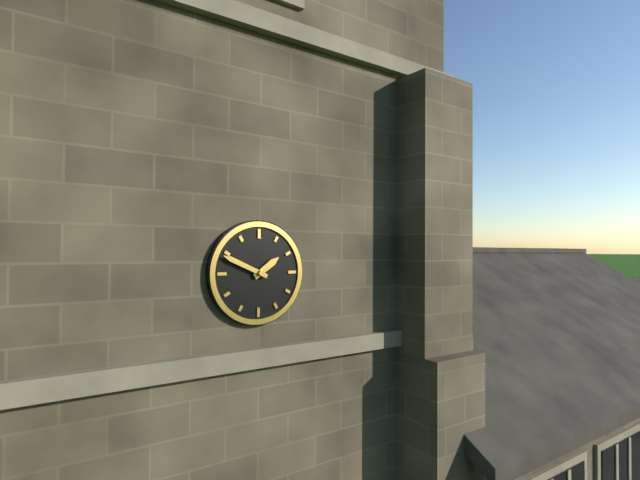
**1:49**
